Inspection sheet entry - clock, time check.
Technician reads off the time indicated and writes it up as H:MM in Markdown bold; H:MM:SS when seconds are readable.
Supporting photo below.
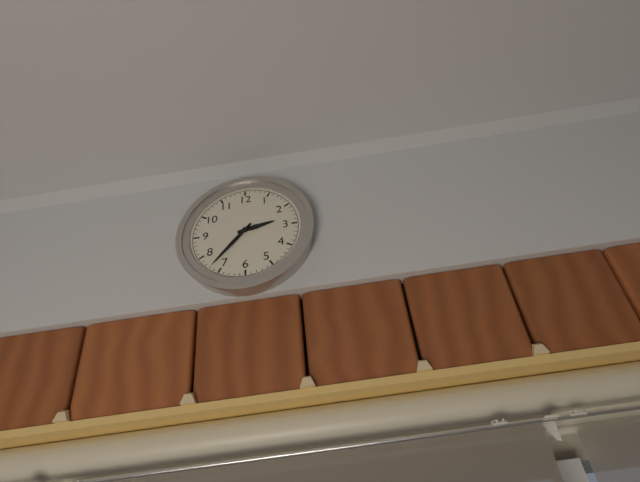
**2:37**
